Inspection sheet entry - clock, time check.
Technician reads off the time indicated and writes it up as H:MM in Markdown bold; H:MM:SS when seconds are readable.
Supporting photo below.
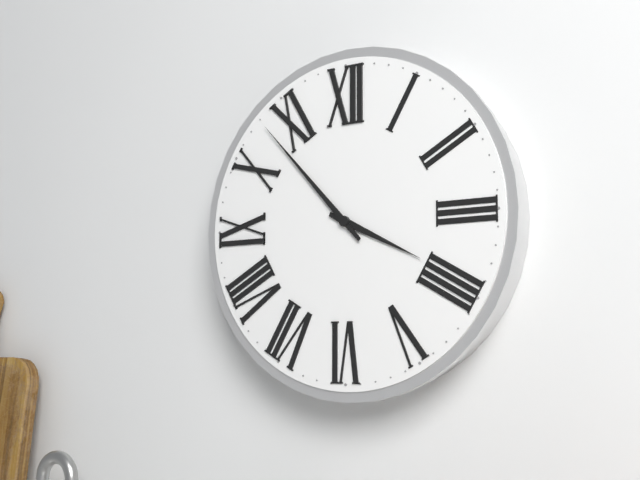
**3:53**
